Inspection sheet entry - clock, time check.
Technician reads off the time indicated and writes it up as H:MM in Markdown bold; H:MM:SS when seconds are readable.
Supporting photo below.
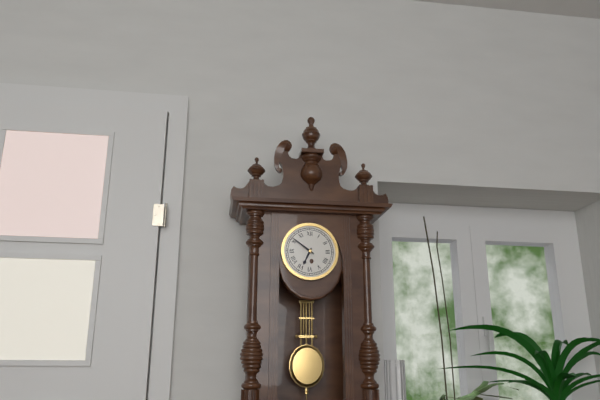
**6:51**
